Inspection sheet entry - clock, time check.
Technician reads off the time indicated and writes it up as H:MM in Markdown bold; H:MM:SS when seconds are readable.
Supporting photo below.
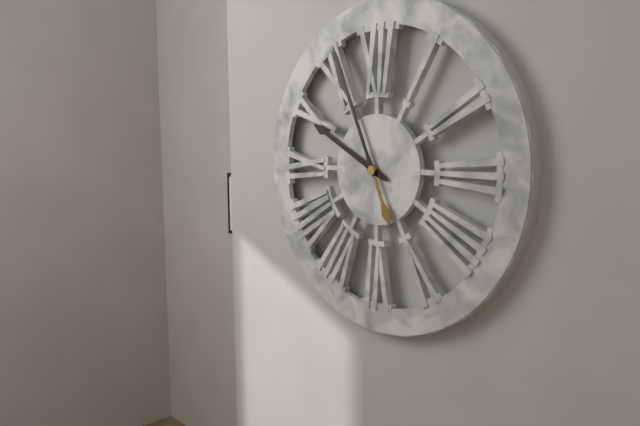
**9:56**
